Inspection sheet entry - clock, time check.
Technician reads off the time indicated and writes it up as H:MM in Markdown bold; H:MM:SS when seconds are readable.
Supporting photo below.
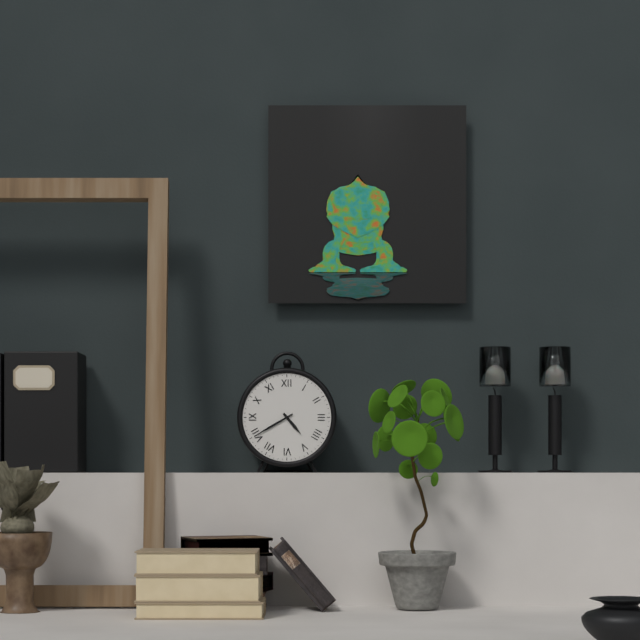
**4:40**
